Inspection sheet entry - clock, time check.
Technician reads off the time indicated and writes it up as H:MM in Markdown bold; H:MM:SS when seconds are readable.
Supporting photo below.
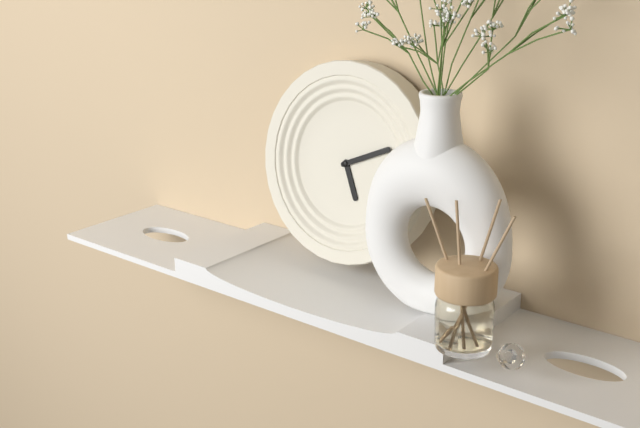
**5:11**
